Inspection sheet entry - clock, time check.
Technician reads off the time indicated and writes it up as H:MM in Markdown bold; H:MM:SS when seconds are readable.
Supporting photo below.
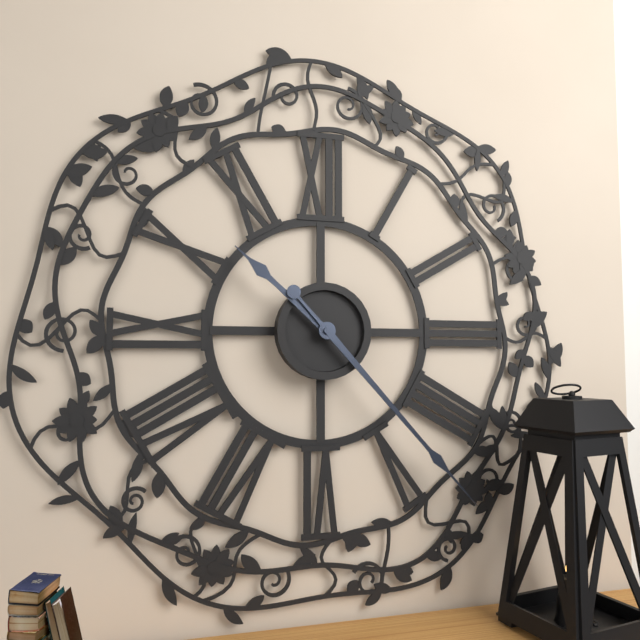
**10:23**
